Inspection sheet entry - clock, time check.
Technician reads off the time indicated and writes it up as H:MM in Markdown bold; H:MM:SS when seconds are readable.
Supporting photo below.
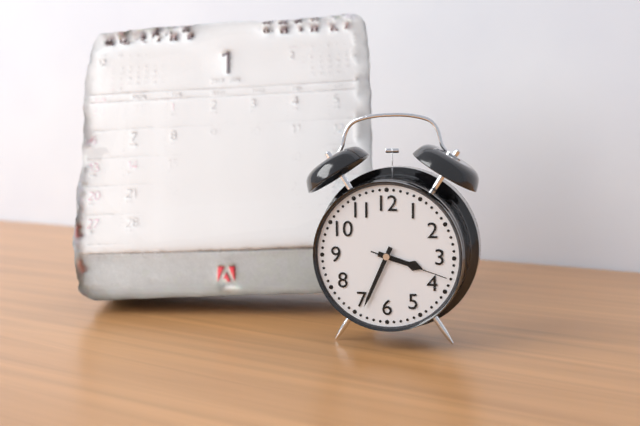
**3:34:18**
